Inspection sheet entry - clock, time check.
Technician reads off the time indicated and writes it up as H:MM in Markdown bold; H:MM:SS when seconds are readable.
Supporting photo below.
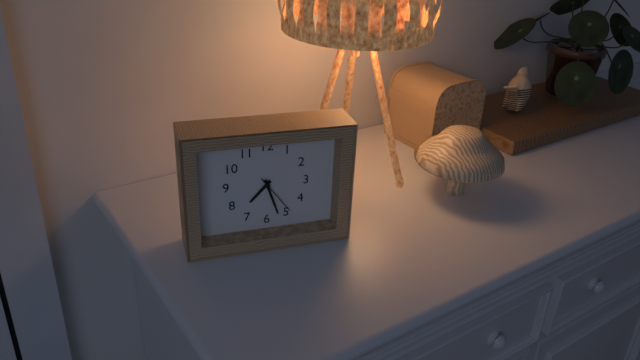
**7:27**
